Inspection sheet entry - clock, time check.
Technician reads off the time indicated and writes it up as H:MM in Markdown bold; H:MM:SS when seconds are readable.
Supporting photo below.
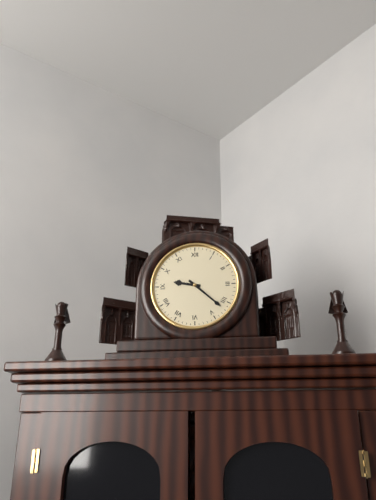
**9:22**
